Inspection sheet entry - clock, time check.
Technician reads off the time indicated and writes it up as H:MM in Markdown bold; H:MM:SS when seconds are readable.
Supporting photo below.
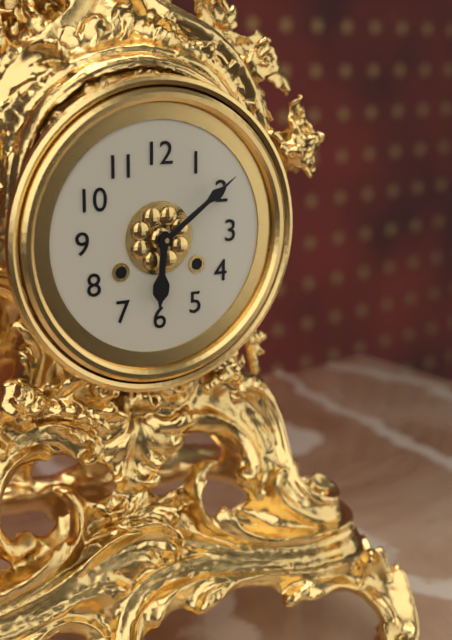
**6:09**
